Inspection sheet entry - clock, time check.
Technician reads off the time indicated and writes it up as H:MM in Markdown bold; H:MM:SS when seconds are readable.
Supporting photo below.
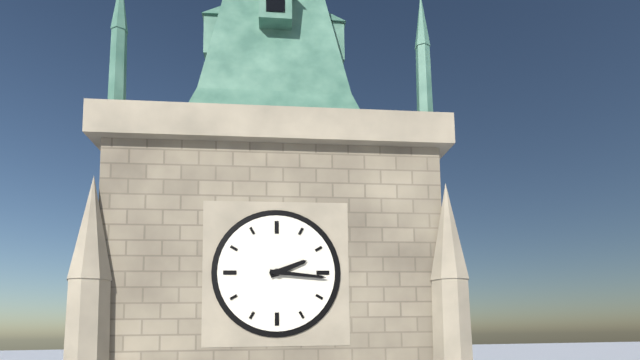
**2:16**
